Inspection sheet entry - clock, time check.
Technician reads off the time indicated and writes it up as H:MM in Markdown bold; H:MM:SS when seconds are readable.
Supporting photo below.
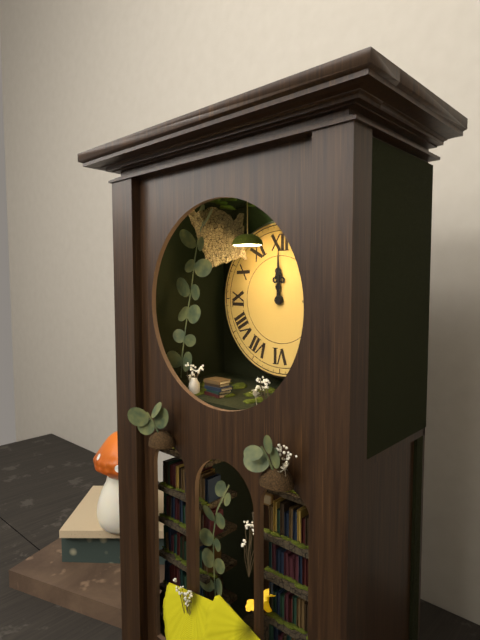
**12:00**
